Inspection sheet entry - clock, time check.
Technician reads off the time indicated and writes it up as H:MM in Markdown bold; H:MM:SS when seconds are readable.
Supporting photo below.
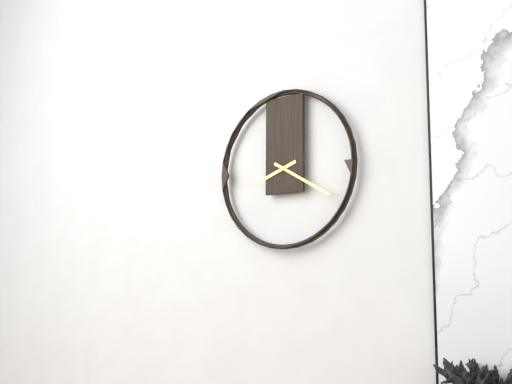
**8:20**
